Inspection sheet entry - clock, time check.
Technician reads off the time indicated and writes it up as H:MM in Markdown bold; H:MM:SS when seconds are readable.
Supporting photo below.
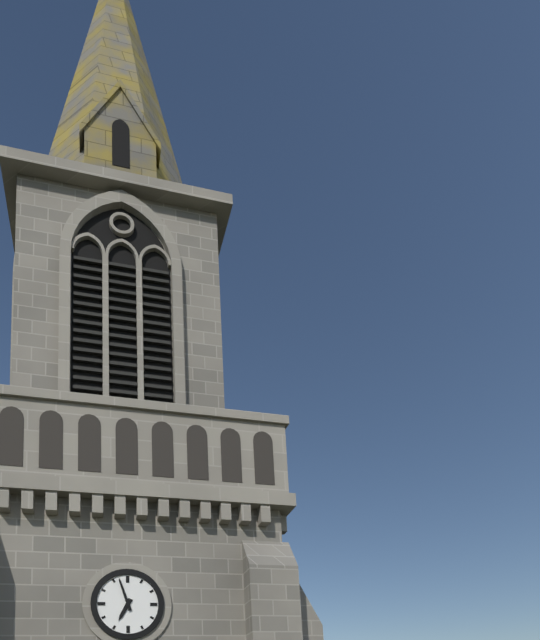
**6:57**
